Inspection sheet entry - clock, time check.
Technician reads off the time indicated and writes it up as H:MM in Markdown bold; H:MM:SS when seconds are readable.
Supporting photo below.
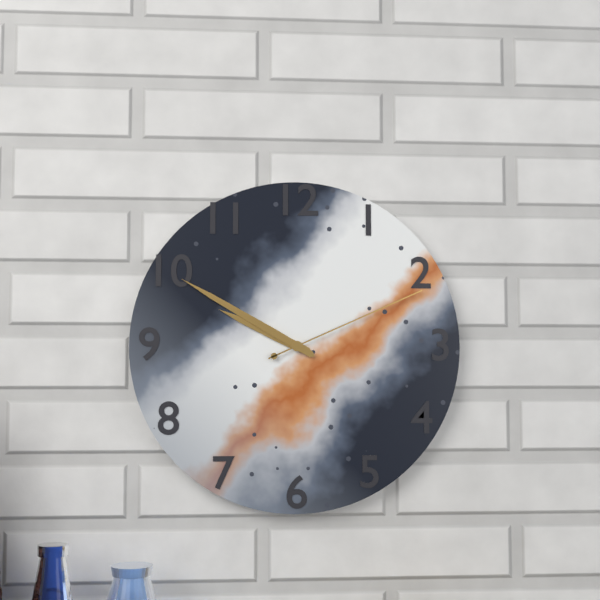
**9:50:11**
